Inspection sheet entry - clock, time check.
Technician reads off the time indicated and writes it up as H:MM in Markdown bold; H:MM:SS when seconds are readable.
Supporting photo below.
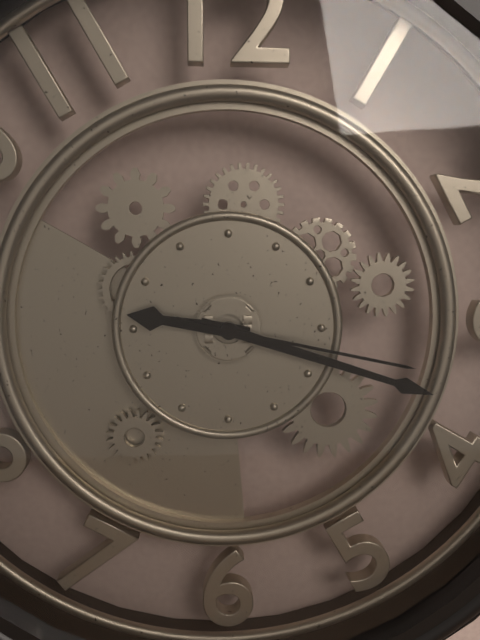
**9:18:17**
